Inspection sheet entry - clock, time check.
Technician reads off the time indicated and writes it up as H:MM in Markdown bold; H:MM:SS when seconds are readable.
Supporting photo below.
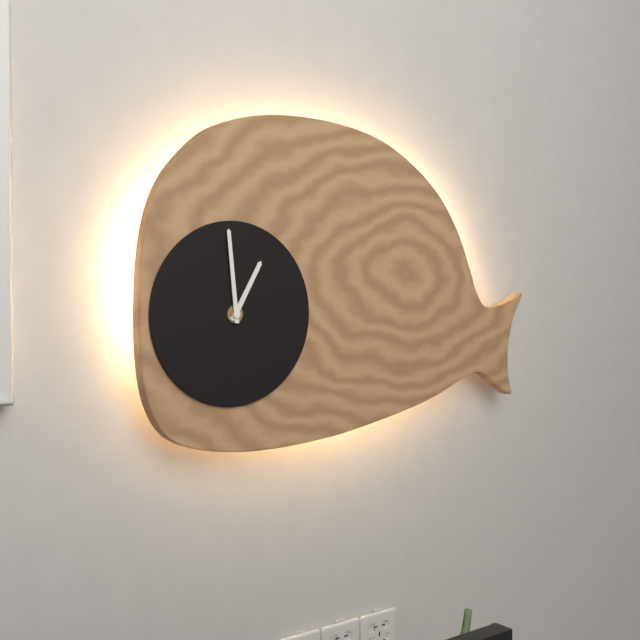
**12:59**
